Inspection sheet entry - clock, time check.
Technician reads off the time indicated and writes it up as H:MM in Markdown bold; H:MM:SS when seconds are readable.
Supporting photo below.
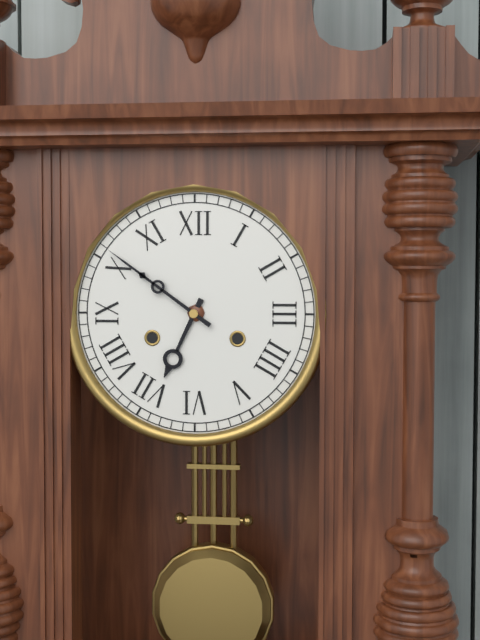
**6:51**
